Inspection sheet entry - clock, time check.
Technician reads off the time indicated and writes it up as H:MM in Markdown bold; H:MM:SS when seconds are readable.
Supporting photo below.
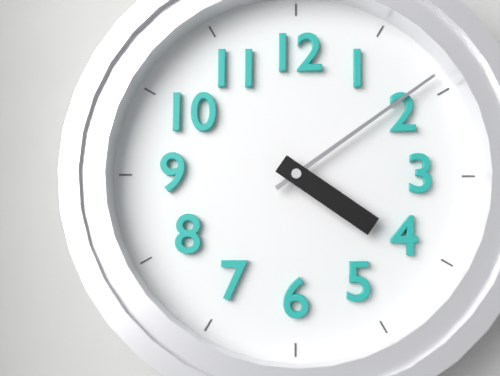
**4:09**
